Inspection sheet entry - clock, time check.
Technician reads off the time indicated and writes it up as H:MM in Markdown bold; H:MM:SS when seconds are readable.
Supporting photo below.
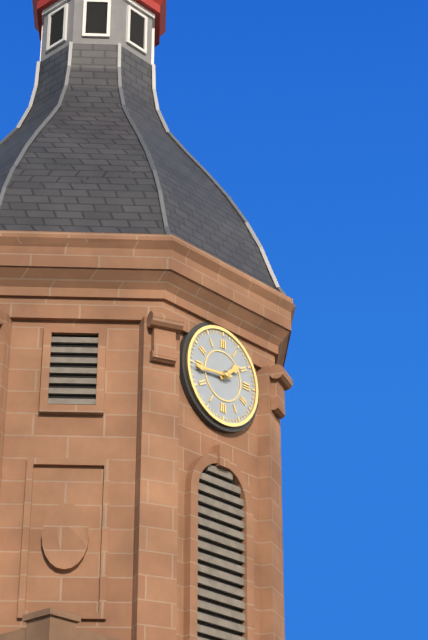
**1:44**
